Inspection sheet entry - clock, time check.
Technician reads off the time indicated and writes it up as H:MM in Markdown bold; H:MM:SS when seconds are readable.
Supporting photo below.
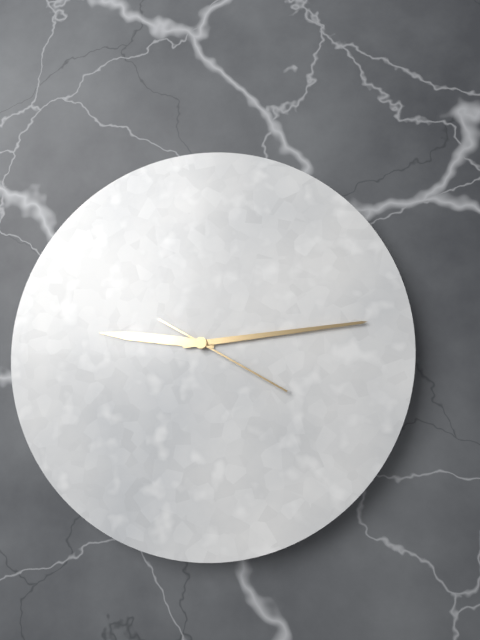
**9:14:20**
